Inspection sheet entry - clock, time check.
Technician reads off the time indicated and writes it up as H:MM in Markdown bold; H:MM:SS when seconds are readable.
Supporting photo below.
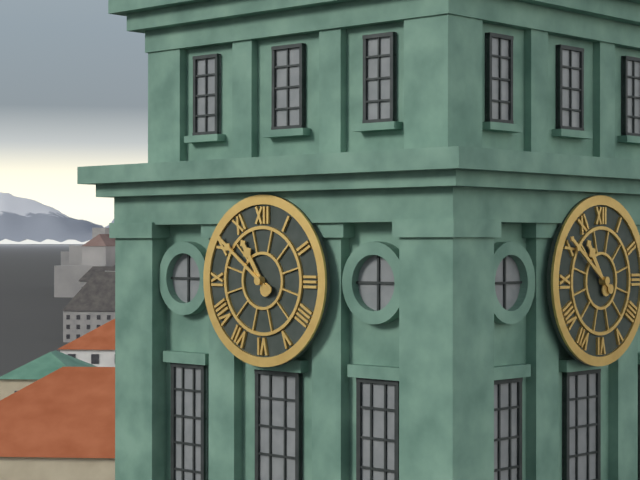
**10:51**
